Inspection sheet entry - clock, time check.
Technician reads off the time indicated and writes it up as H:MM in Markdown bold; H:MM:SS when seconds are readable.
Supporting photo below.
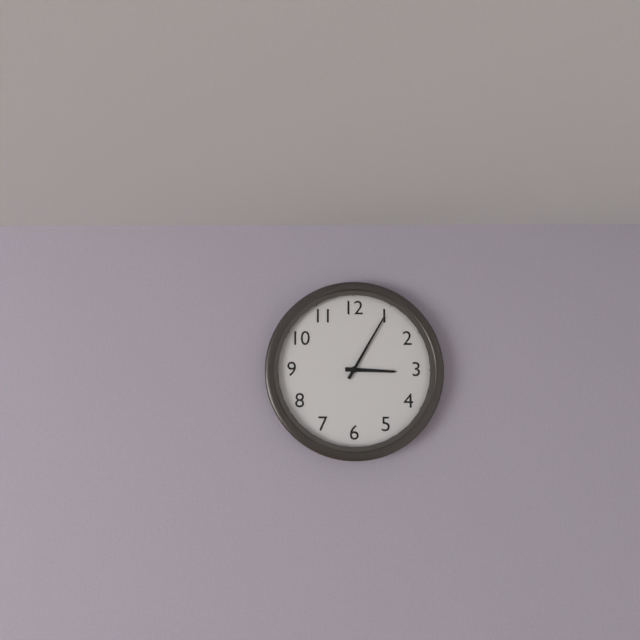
**3:05**
